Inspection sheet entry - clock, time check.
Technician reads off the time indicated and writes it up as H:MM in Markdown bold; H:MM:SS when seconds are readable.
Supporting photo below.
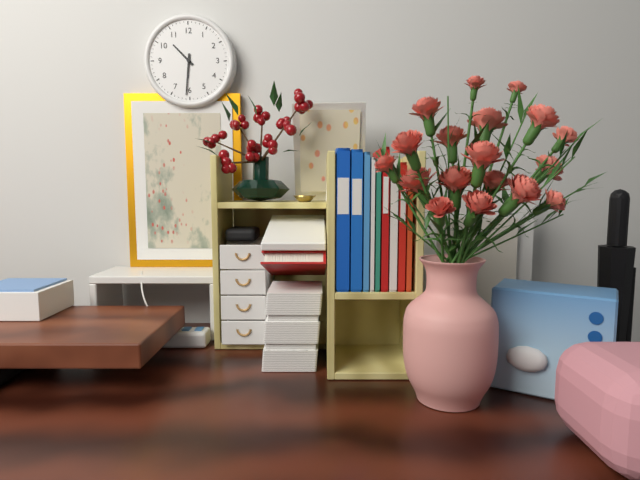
**10:31**
